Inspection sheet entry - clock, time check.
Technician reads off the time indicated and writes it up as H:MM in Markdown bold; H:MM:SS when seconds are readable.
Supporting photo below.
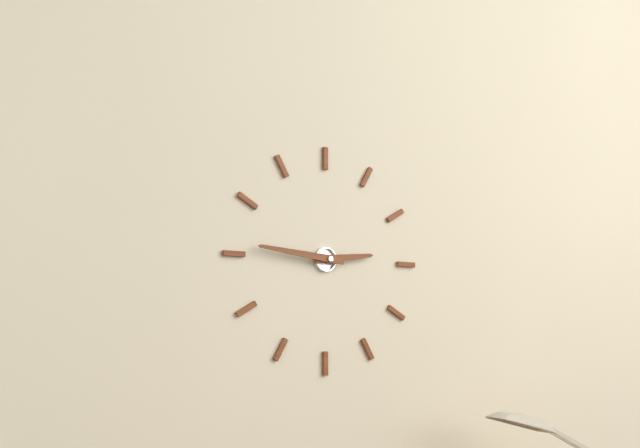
**2:46**
